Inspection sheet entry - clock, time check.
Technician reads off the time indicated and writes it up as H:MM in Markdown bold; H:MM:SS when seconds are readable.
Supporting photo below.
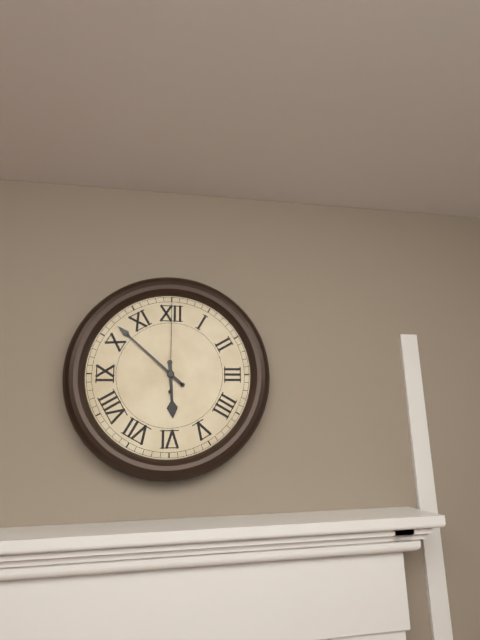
**5:52:00**
